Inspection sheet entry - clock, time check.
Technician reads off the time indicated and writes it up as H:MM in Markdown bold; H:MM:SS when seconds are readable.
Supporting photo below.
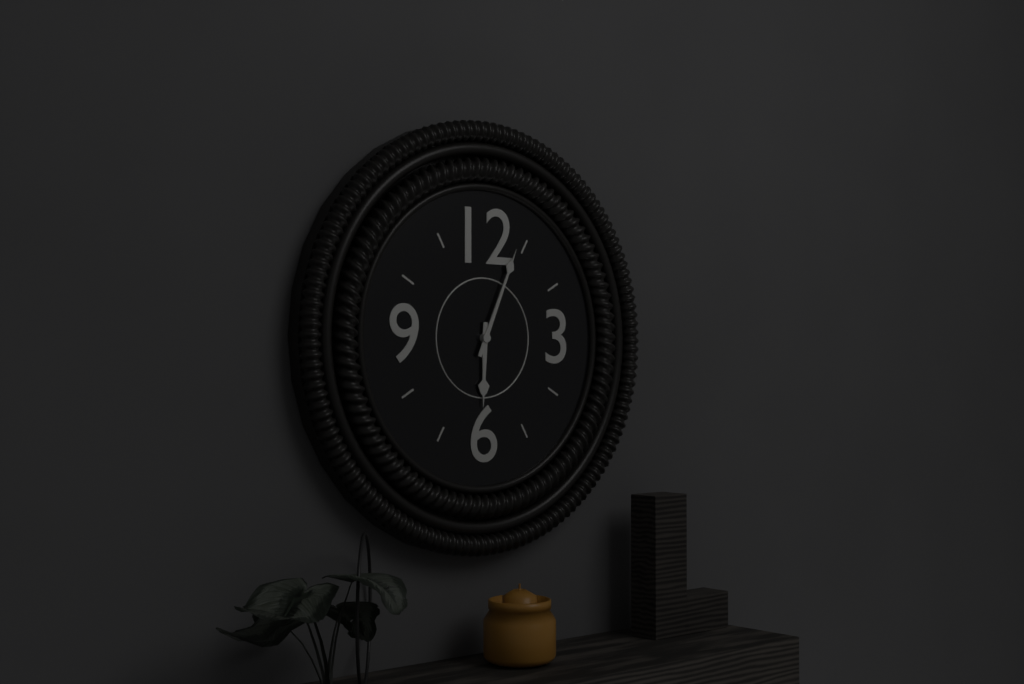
**6:04**
